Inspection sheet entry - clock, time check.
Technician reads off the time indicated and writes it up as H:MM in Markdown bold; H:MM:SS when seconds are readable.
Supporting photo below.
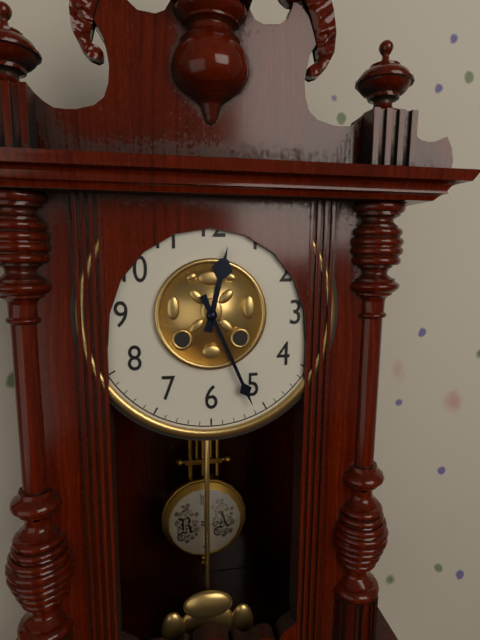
**12:26**
